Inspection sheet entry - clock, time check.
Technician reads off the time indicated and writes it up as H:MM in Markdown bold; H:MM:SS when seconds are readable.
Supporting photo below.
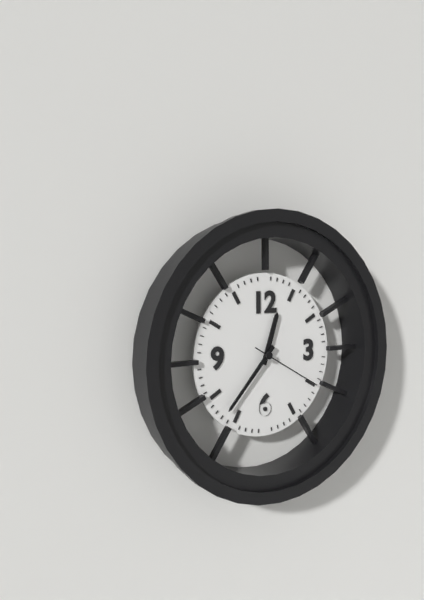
**12:37:20**
